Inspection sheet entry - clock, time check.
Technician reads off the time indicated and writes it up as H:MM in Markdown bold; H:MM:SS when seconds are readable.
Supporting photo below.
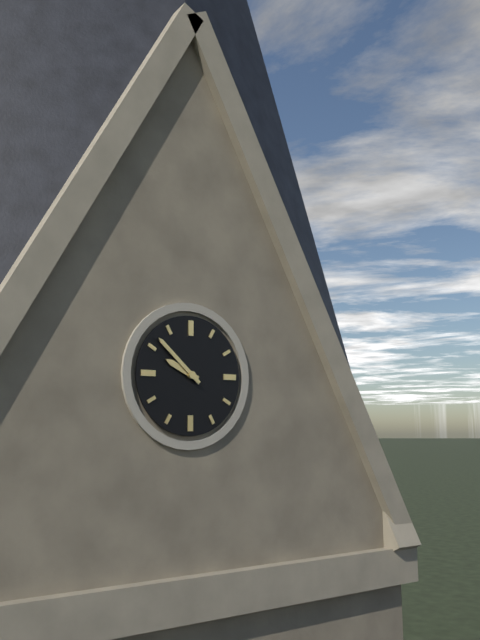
**9:52**
